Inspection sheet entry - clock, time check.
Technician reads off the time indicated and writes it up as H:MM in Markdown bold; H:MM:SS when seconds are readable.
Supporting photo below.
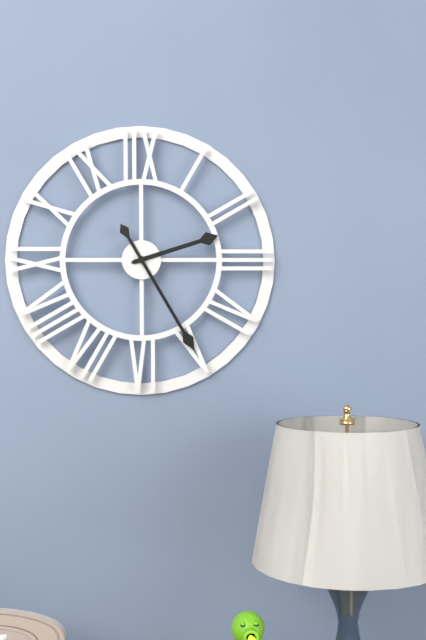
**2:25**
